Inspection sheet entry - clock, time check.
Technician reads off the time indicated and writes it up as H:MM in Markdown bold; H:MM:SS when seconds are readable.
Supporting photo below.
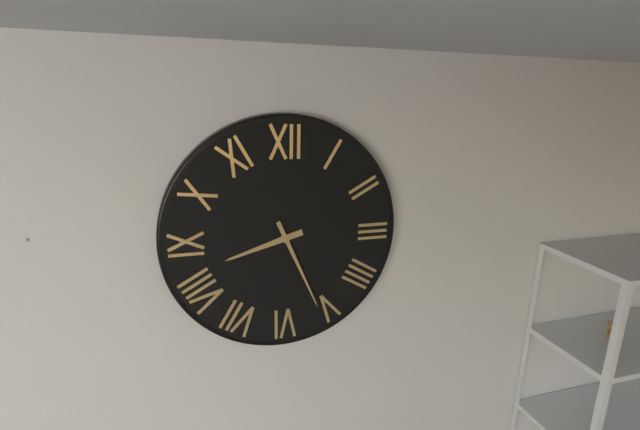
**8:26**
